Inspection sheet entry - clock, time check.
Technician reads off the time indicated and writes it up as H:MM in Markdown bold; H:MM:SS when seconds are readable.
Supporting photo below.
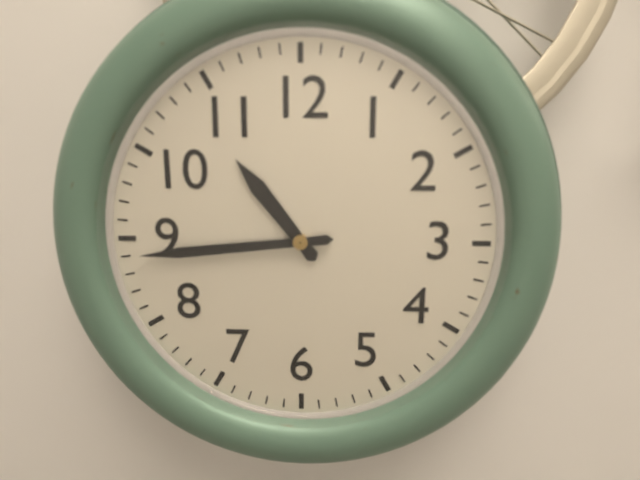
**10:44**
